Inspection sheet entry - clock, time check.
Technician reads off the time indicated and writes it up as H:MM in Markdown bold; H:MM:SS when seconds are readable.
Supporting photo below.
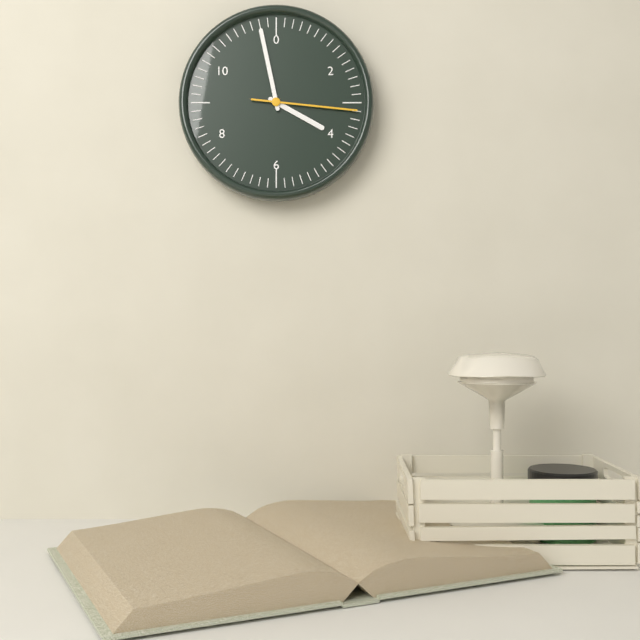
**3:58:16**
